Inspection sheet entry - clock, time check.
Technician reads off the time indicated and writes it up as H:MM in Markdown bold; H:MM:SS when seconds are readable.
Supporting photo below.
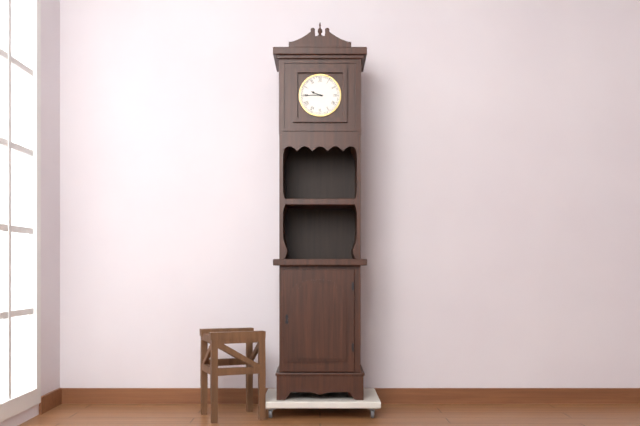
**9:45**
